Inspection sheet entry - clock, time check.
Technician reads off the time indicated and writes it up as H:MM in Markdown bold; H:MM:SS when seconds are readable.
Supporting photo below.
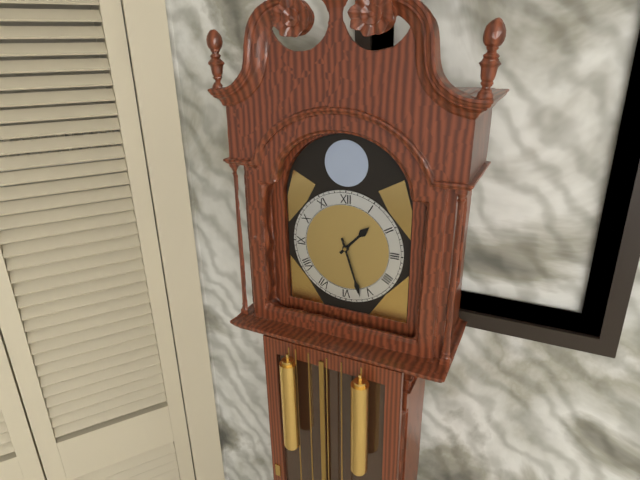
**1:27**
